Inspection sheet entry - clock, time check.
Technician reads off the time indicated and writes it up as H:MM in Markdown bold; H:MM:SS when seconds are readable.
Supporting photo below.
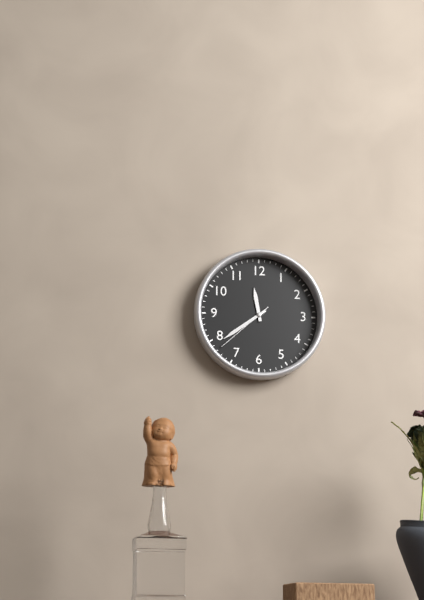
**11:39:38**
